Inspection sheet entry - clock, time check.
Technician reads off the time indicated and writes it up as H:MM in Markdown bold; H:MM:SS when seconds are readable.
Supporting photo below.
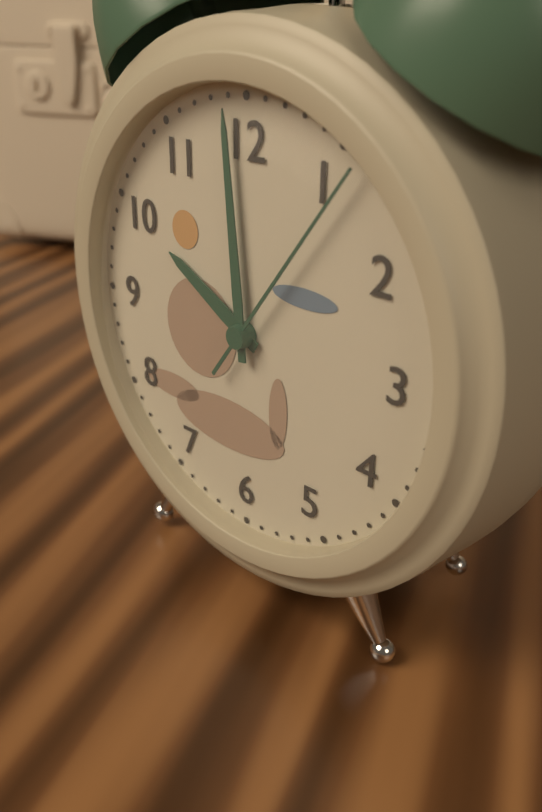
**9:59:06**
